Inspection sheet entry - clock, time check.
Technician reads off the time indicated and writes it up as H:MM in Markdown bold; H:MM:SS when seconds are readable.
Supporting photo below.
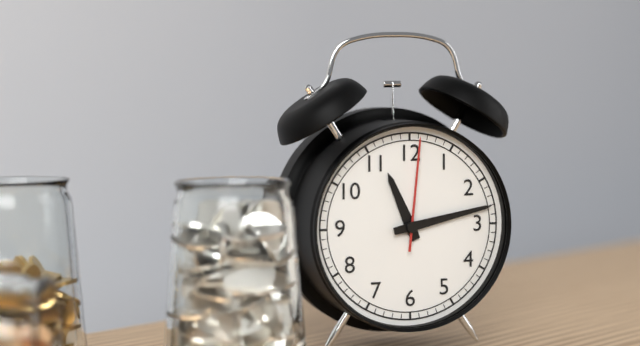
**11:13:01**
